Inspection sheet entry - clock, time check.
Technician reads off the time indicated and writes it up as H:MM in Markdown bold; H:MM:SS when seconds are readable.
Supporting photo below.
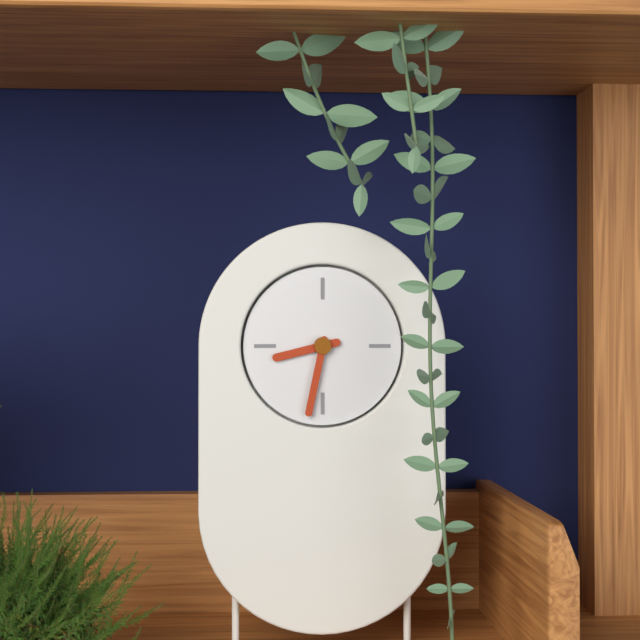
**8:32**
